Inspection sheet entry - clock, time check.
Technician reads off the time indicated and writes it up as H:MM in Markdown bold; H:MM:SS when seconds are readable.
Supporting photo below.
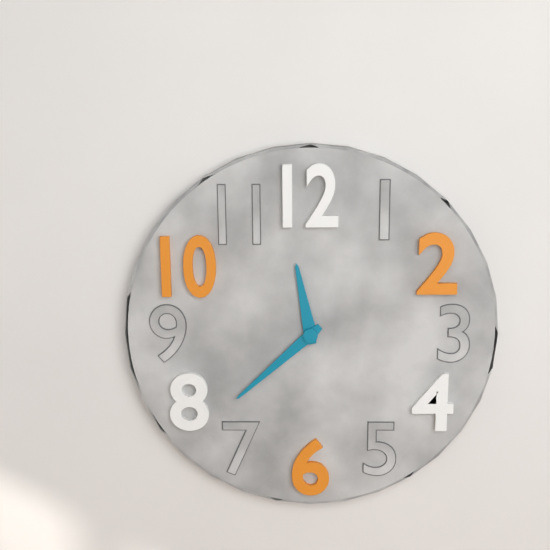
**11:38**
